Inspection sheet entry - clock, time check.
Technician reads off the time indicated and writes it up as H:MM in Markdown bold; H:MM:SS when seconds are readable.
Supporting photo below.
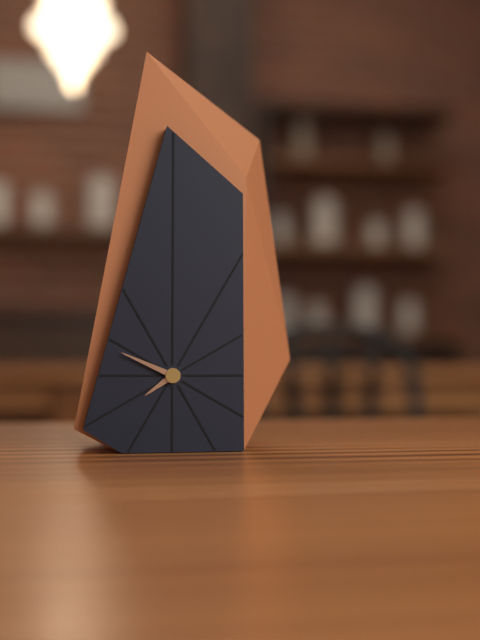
**7:49**
